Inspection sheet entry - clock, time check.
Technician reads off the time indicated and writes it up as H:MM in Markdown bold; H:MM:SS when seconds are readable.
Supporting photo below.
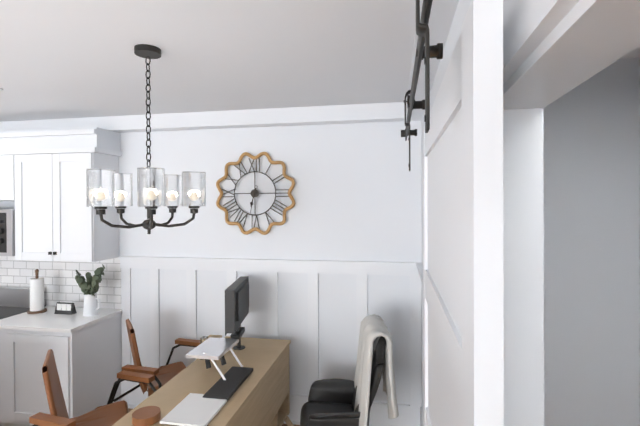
**6:32**
